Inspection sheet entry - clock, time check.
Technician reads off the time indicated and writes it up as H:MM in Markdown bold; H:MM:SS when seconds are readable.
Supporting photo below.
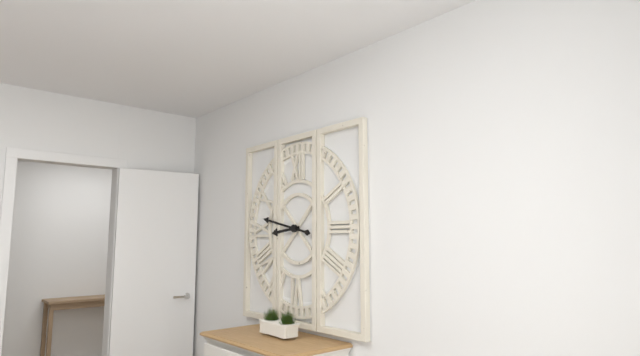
**8:47**
